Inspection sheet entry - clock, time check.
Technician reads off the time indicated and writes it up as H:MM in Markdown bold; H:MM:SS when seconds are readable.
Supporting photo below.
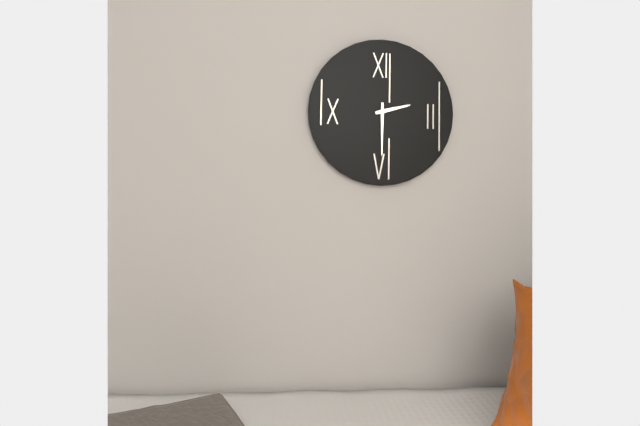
**2:30**
